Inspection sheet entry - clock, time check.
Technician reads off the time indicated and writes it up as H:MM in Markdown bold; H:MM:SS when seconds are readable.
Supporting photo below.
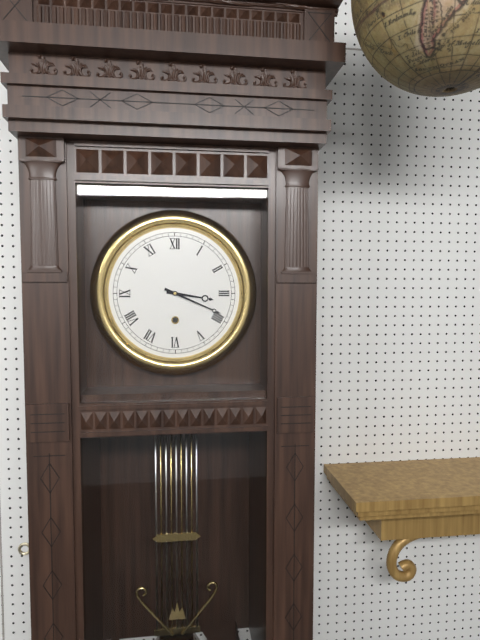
**3:19**
